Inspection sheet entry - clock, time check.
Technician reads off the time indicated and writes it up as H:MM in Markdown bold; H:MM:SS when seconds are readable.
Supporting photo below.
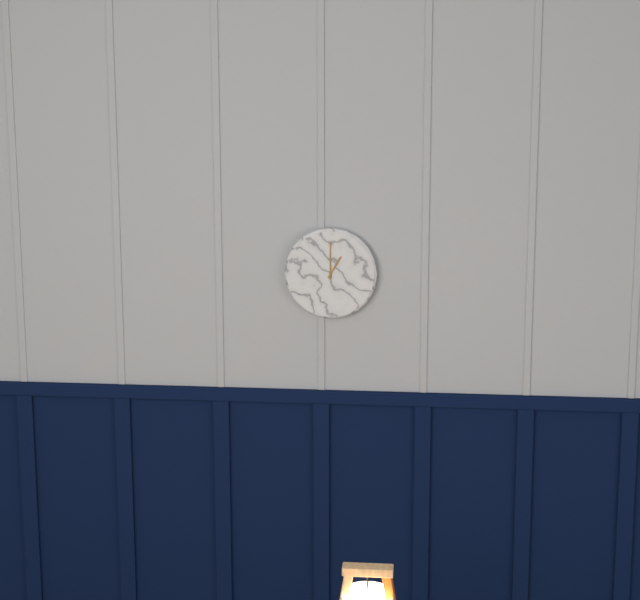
**1:00**
